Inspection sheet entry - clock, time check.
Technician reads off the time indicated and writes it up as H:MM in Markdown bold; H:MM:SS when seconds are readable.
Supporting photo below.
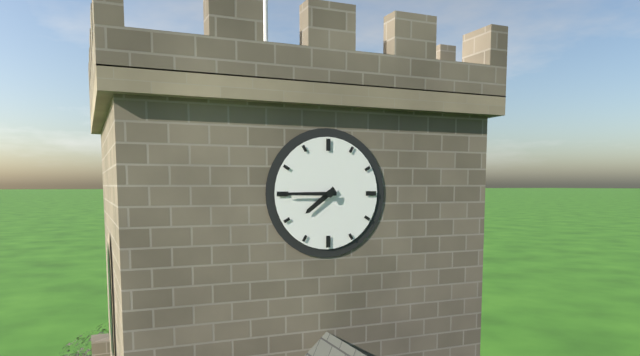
**7:45**
